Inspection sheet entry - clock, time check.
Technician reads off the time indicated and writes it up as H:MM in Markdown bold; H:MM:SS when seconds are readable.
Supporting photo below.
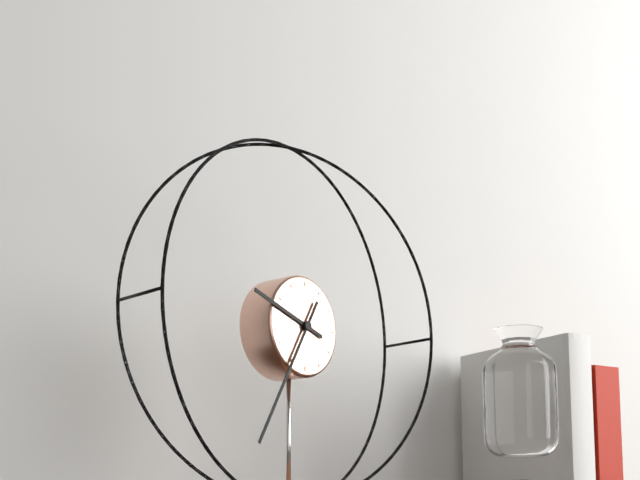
**9:35**
